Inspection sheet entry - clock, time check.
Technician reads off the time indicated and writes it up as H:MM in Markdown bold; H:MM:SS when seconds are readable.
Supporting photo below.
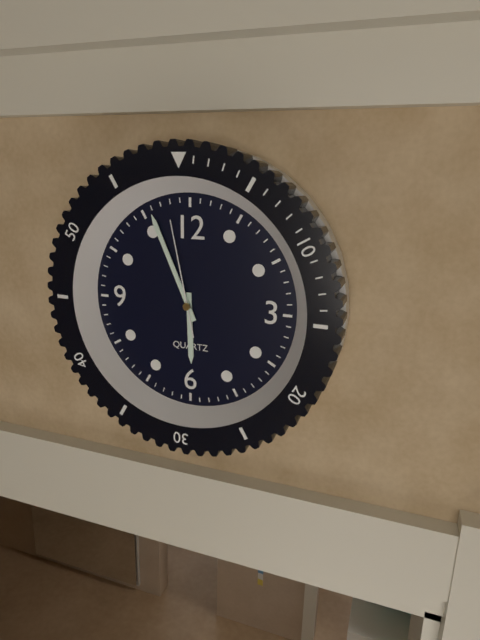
**5:56:58**
